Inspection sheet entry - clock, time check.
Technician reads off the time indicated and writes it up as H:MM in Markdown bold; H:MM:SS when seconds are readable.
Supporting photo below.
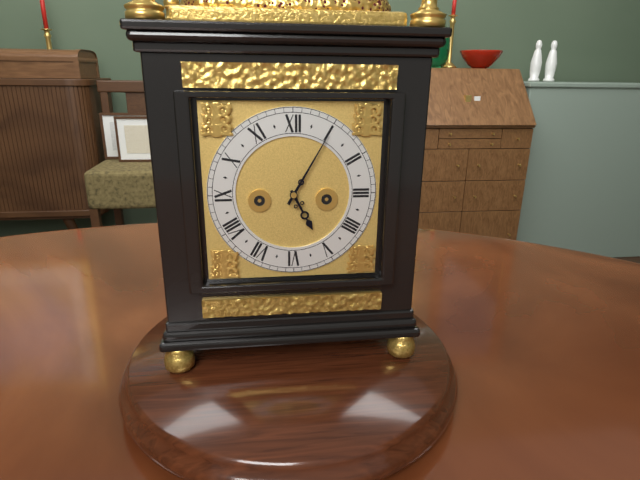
**5:05**
